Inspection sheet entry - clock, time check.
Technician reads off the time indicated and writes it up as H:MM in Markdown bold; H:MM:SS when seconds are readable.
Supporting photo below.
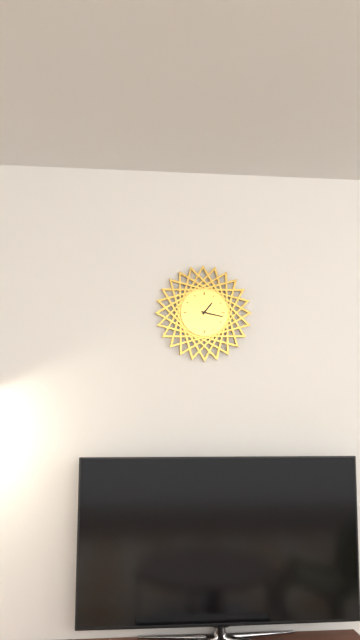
**1:17**
